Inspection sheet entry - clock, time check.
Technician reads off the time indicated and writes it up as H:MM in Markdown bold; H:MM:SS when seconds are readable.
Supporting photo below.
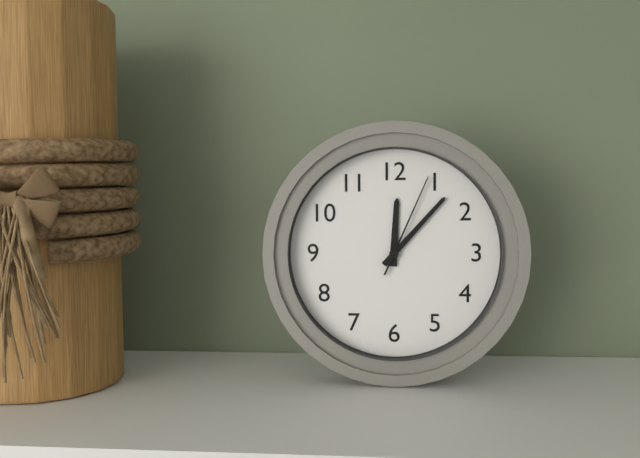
**12:07:04**
